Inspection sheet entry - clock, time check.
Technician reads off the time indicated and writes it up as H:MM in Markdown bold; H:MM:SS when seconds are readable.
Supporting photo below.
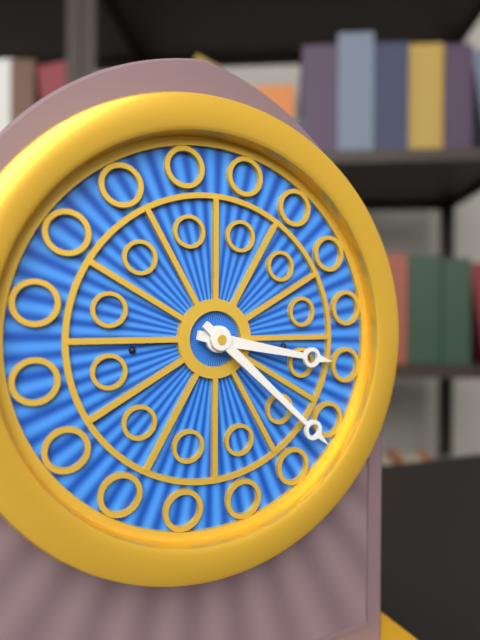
**3:22**
